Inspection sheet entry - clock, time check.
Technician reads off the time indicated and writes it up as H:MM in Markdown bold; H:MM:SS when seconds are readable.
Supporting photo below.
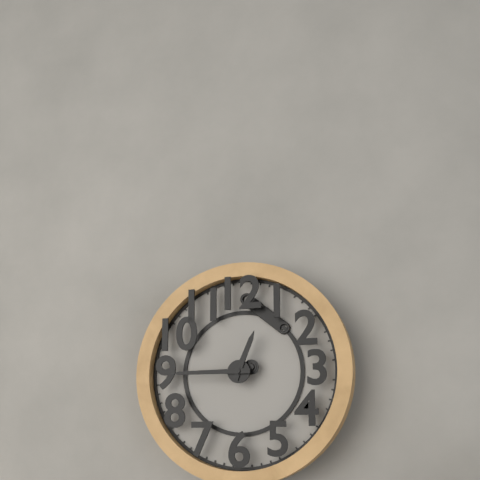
**12:45**
